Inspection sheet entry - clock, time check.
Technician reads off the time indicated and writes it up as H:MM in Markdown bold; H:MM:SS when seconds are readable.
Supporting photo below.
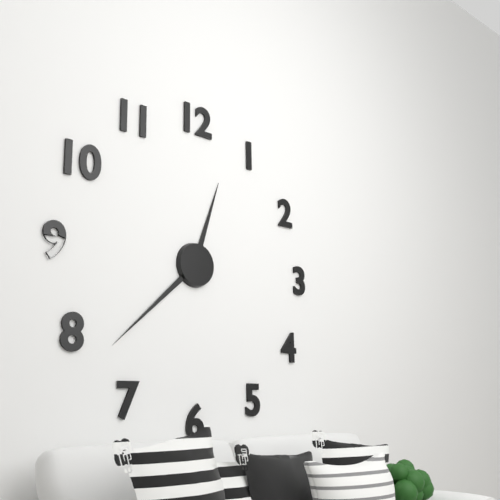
**12:38**
